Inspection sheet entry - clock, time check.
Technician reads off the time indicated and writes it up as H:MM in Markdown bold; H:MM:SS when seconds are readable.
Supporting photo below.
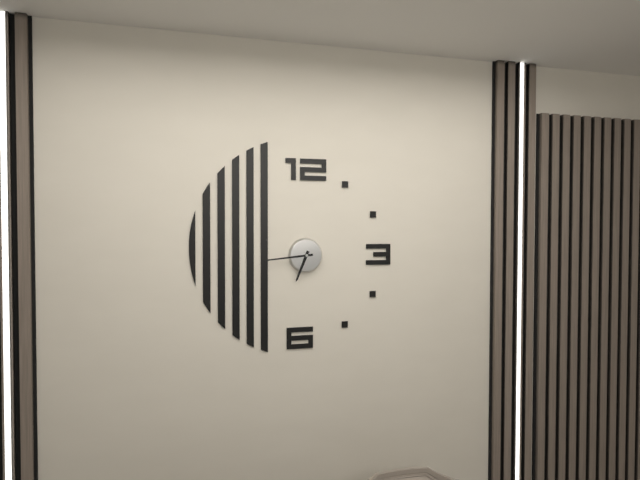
**6:44**
